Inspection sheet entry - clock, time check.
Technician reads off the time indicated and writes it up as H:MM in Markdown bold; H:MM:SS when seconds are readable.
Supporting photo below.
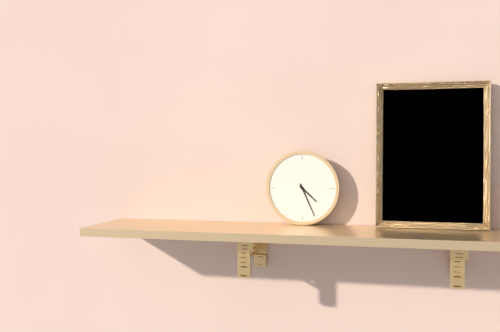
**4:26**
